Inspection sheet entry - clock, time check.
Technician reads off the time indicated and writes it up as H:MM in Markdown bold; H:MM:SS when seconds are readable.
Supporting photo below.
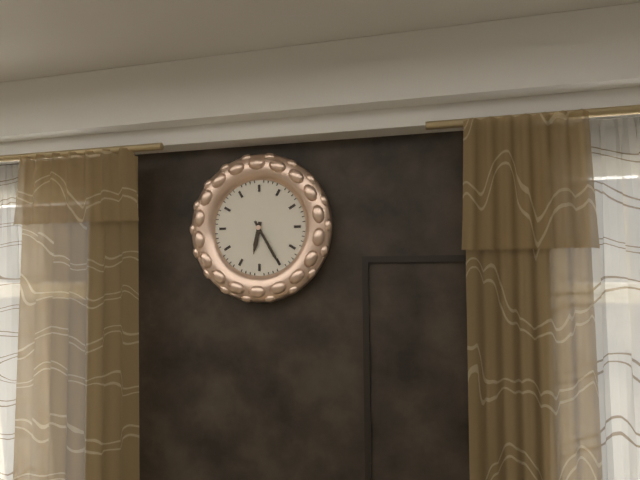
**6:25**
